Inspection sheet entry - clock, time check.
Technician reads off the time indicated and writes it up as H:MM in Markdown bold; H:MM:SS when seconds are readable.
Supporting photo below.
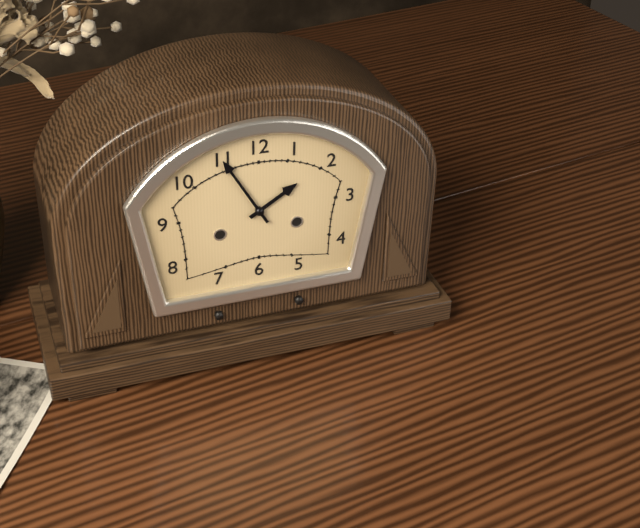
**1:55**
